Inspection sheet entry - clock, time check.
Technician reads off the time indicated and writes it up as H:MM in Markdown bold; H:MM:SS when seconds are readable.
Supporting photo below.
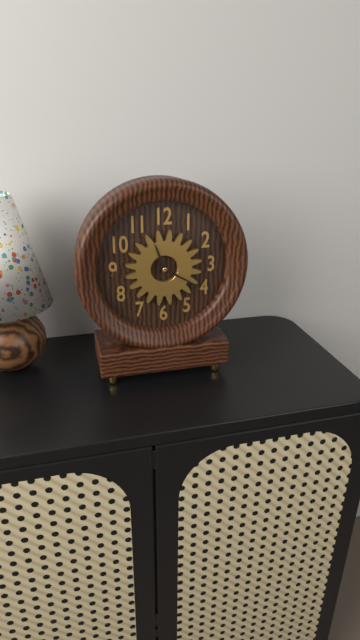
**11:20**
